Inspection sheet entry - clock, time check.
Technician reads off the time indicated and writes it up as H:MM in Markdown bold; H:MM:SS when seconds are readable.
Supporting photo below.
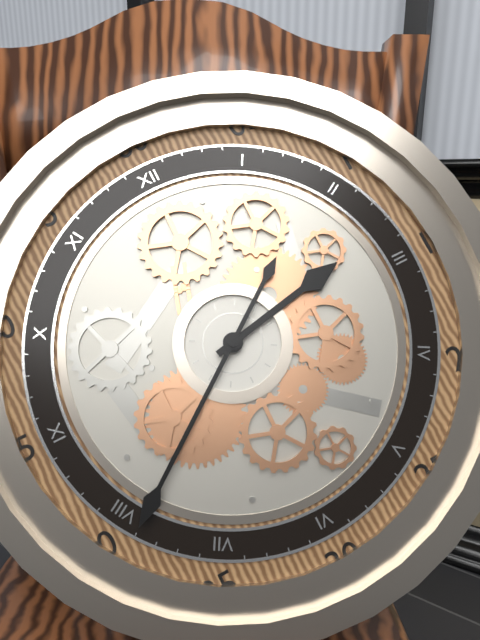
**2:39**
